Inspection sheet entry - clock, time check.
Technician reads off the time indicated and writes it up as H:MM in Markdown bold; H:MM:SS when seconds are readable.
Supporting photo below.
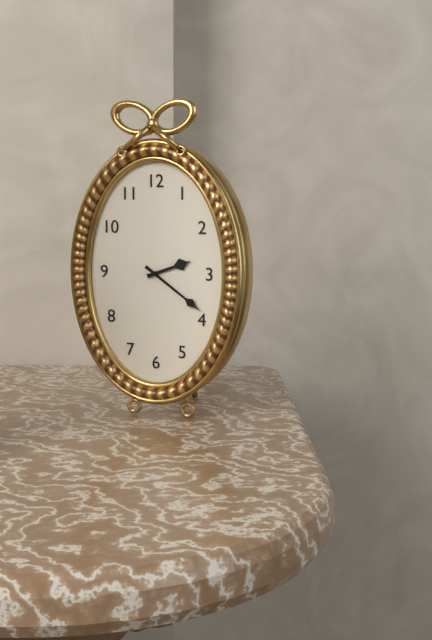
**2:21**
